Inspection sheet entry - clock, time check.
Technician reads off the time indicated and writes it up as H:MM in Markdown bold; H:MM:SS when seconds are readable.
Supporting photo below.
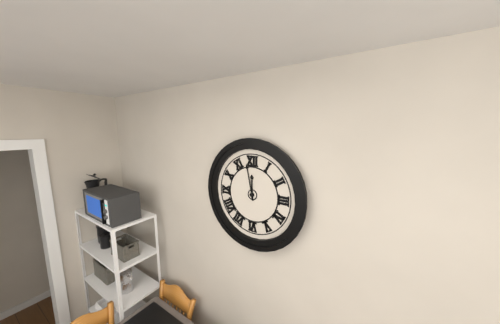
**11:58**
